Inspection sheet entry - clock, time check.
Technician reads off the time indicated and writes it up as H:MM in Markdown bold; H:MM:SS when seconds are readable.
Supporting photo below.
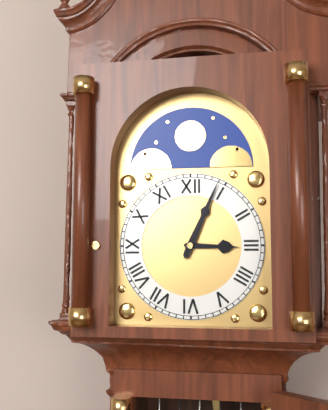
**3:04**
